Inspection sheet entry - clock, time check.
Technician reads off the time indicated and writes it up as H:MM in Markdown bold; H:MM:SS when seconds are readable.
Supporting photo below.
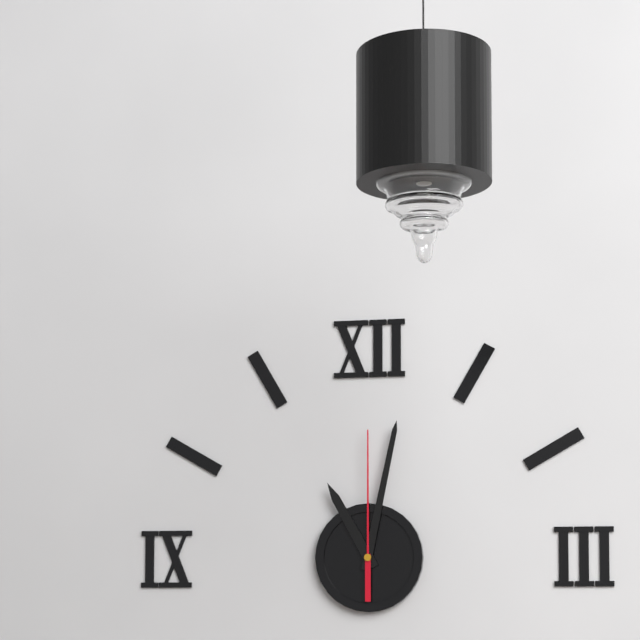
**11:02:00**
